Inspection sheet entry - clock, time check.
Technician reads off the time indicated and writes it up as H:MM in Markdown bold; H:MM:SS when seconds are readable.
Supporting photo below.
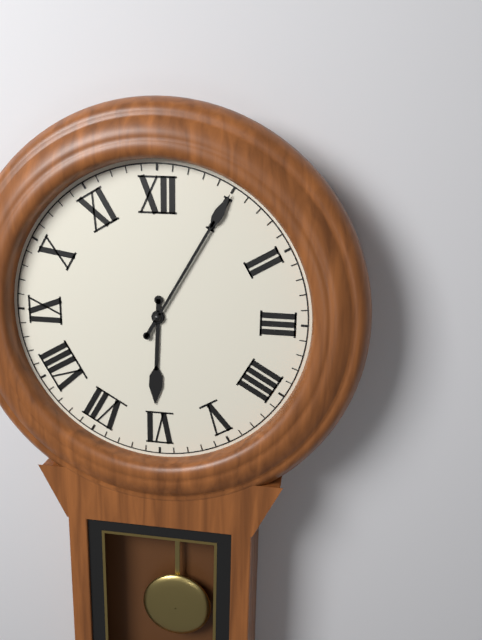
**6:05**
